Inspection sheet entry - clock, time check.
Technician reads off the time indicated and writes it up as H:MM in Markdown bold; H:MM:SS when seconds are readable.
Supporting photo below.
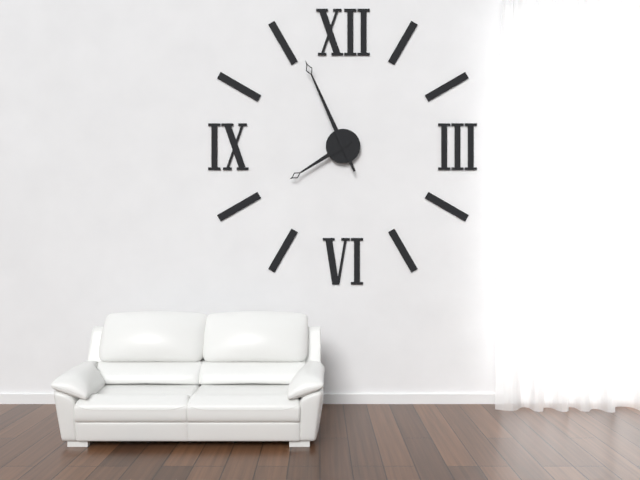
**7:56**
